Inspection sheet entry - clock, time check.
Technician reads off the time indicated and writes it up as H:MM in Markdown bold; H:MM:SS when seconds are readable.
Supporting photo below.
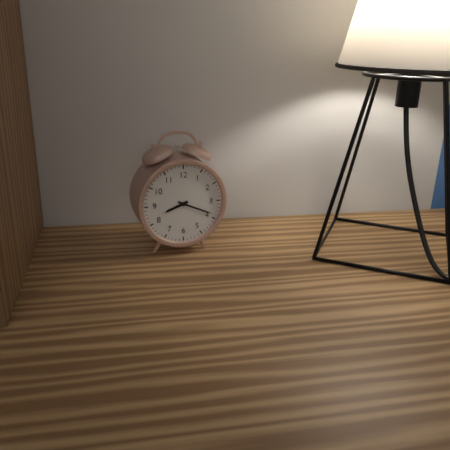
**8:19**
